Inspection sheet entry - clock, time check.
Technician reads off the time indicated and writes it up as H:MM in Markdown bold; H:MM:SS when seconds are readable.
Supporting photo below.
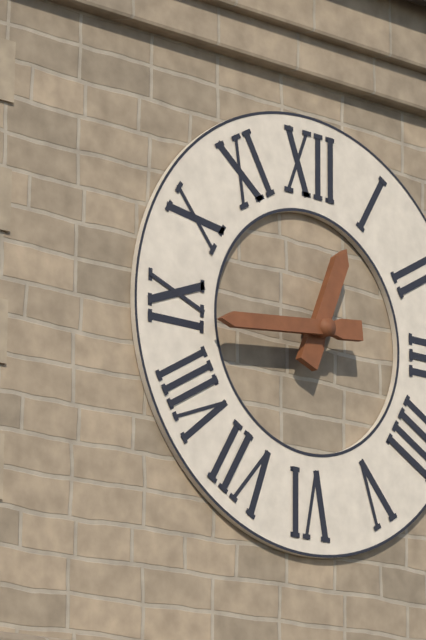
**12:44**
